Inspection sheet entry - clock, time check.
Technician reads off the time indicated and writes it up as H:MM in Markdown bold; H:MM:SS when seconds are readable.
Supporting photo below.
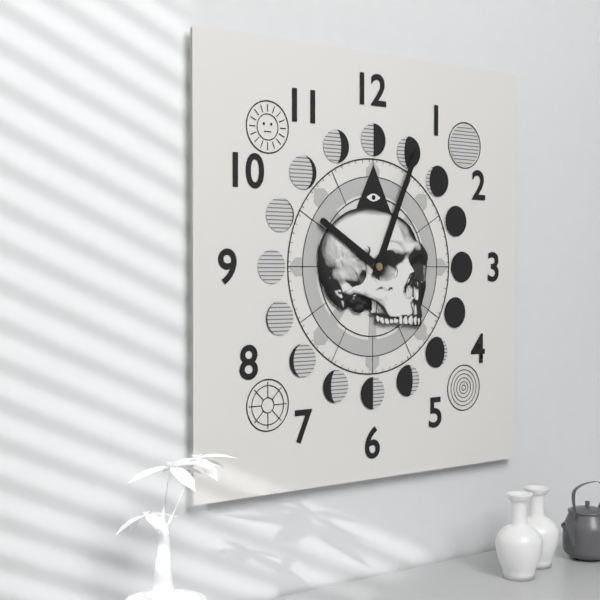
**10:04**
